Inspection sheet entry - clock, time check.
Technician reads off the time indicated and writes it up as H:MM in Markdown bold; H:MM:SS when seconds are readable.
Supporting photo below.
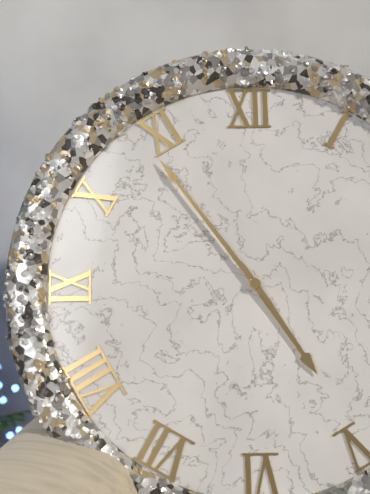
**4:54**
